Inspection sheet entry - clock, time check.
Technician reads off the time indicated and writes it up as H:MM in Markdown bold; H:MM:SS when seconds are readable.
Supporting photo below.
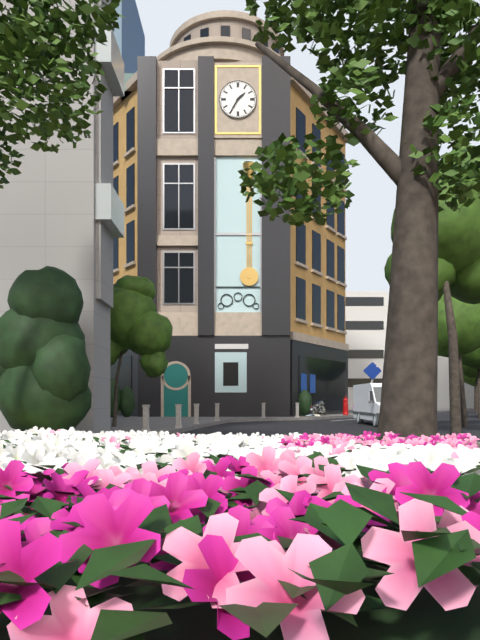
**1:35**
